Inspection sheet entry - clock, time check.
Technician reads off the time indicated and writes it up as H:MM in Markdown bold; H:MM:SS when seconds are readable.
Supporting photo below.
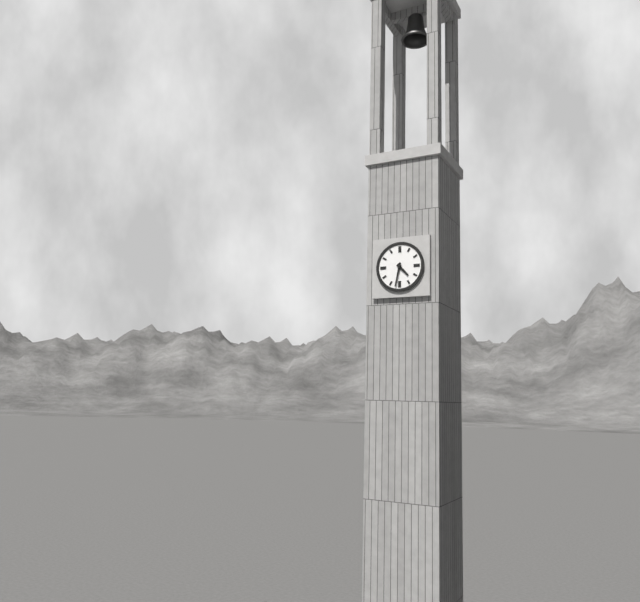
**4:32**
